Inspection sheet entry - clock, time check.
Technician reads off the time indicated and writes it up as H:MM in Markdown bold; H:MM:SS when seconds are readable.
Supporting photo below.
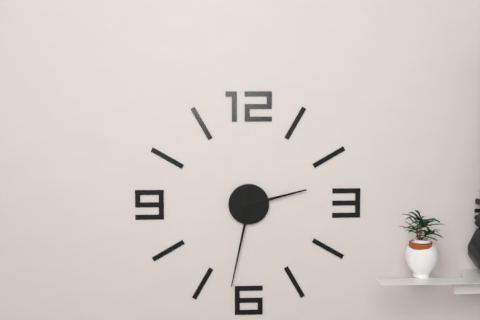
**2:32**
